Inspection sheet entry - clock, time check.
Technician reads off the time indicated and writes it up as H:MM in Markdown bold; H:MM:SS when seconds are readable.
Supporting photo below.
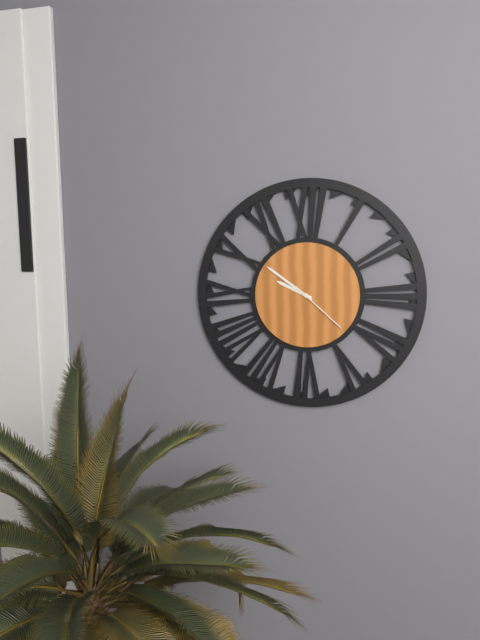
**9:51:22**
